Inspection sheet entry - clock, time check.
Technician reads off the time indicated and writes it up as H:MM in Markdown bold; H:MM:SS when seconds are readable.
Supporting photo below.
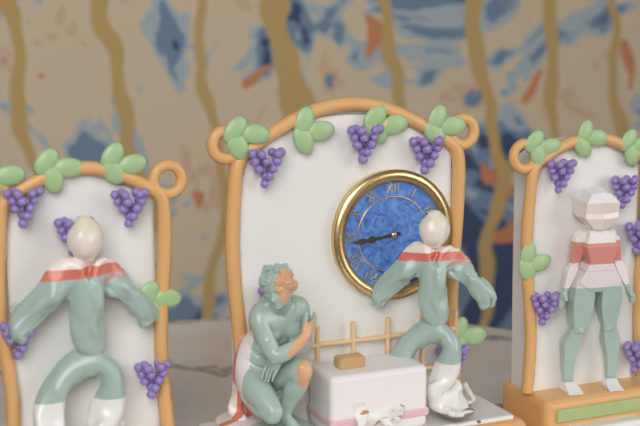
**8:44**
